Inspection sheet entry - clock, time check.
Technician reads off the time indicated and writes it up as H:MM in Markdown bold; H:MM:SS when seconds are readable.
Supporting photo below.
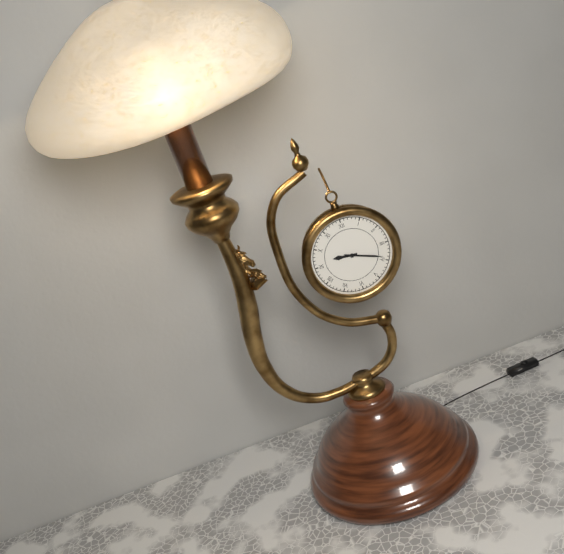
**9:19**
